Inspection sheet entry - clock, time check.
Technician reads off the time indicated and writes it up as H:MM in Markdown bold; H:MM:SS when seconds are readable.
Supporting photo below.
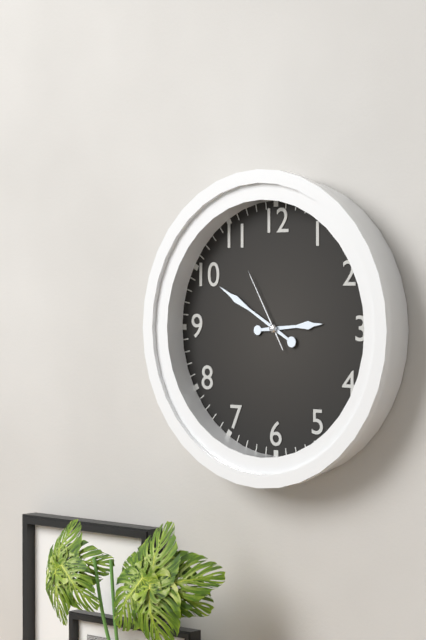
**2:50:55**
